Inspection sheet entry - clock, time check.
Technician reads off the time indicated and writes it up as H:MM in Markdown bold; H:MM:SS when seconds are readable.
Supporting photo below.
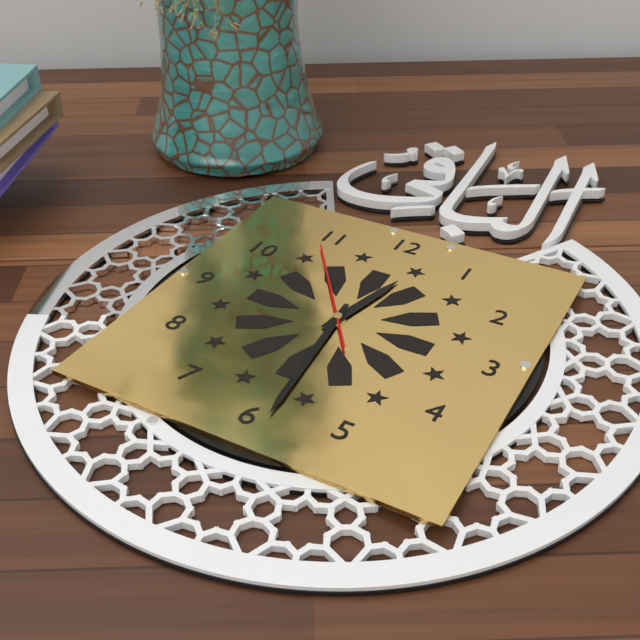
**12:29:54**
